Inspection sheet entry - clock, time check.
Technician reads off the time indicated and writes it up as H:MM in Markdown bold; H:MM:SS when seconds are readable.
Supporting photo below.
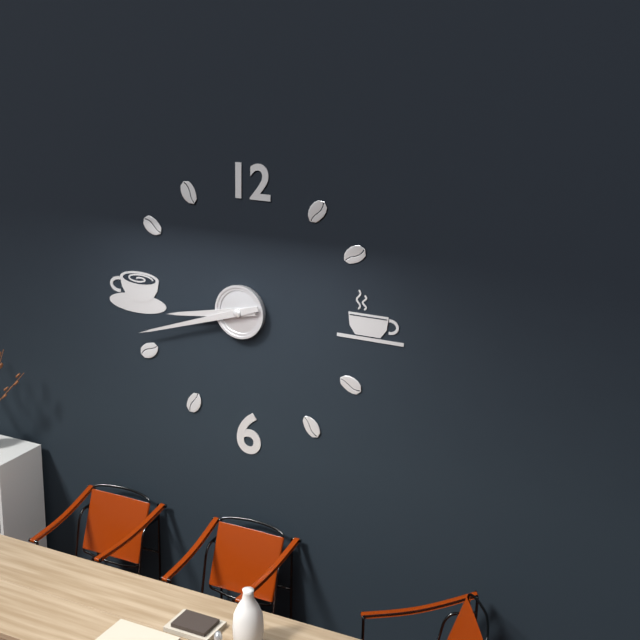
**8:42**
